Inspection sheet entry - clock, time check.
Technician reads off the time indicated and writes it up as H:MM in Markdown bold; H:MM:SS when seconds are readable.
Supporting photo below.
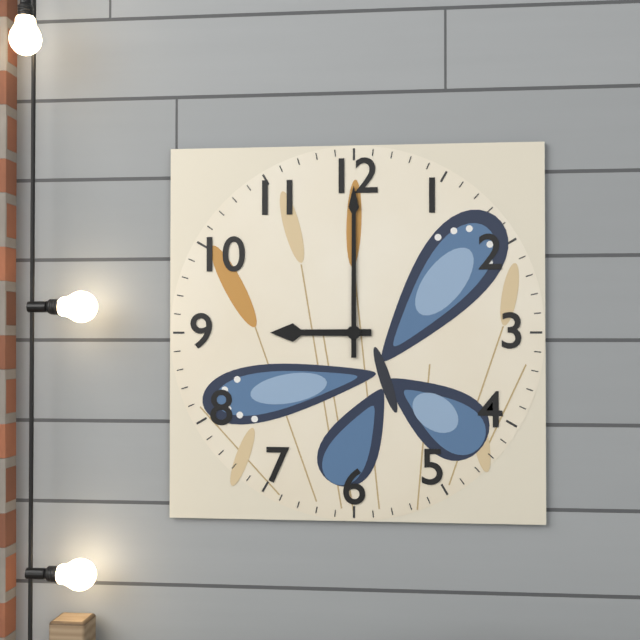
**9:00**
